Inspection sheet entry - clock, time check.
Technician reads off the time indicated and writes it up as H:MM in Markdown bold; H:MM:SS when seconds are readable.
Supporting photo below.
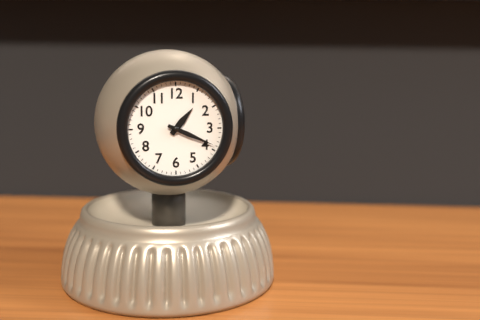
**1:19**
